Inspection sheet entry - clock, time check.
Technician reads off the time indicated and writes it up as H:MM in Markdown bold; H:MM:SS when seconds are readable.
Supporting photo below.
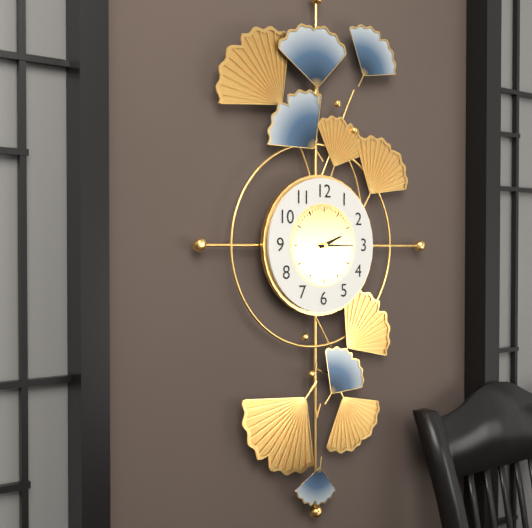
**2:15**
